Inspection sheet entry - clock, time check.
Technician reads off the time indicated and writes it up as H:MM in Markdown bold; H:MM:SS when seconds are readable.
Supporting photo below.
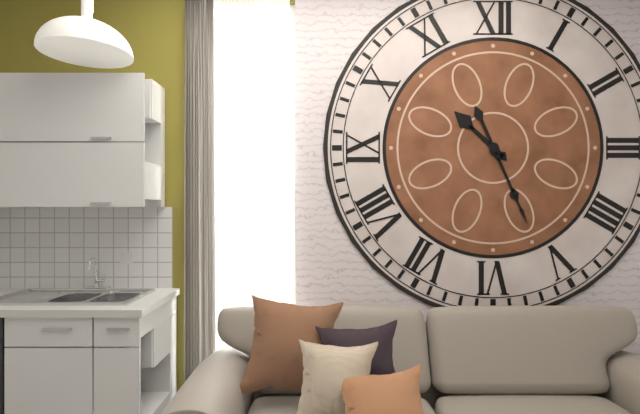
**10:26**
